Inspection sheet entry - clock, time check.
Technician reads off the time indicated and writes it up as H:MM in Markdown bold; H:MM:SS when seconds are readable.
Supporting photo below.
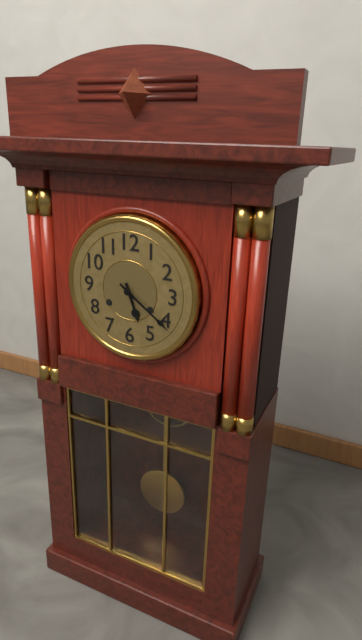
**5:21**
